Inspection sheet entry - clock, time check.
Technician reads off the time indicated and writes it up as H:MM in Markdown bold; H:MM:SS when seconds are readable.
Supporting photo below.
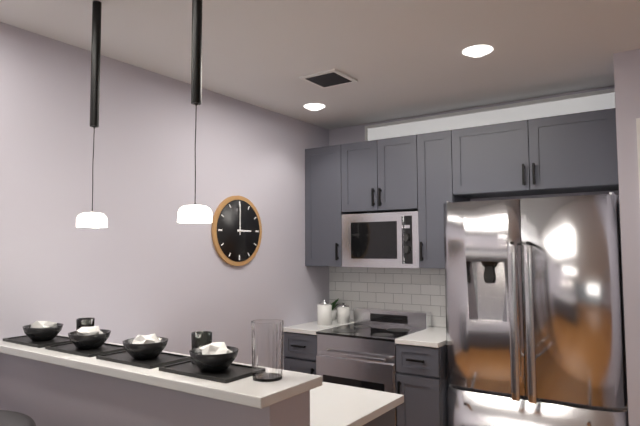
**3:00**
